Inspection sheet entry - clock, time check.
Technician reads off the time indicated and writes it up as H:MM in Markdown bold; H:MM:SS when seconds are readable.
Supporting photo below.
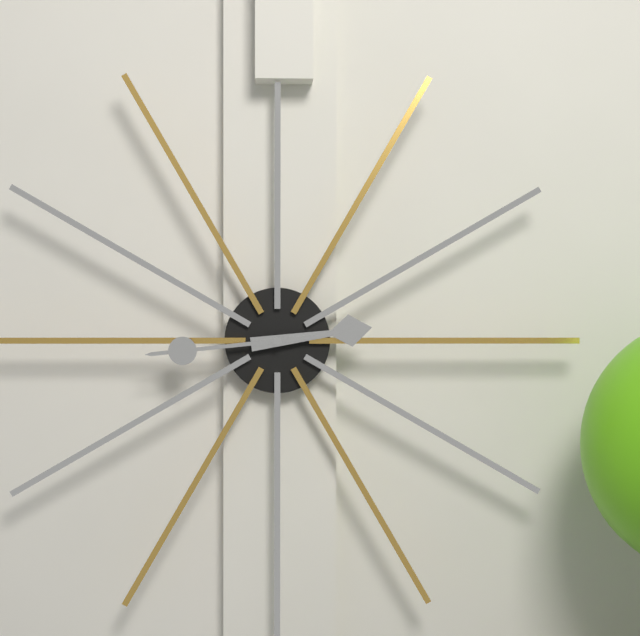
**2:44**
